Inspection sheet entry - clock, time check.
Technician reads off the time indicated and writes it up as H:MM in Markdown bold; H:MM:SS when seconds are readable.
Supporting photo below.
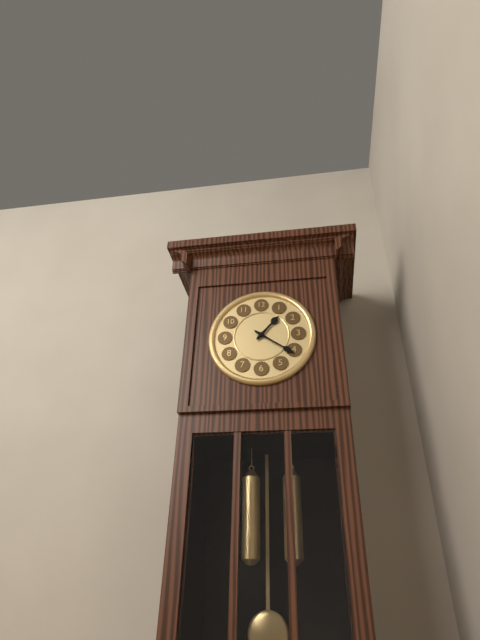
**1:21**
